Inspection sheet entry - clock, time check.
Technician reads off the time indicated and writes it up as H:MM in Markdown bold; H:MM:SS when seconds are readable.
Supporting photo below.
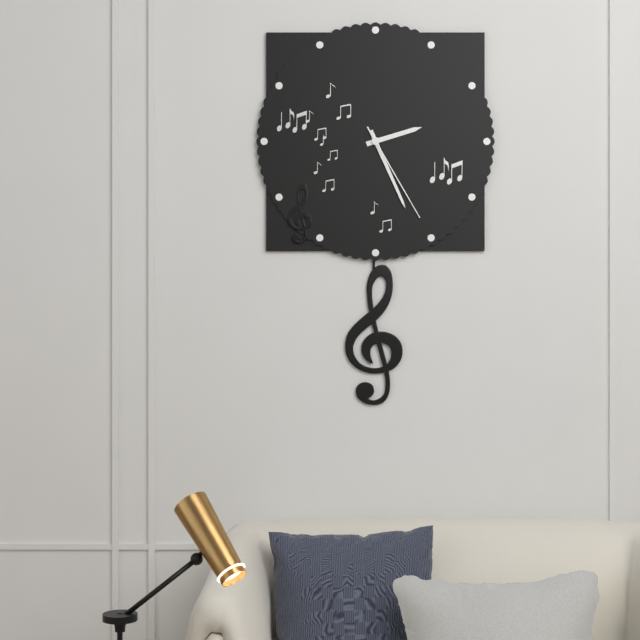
**2:26:25**
